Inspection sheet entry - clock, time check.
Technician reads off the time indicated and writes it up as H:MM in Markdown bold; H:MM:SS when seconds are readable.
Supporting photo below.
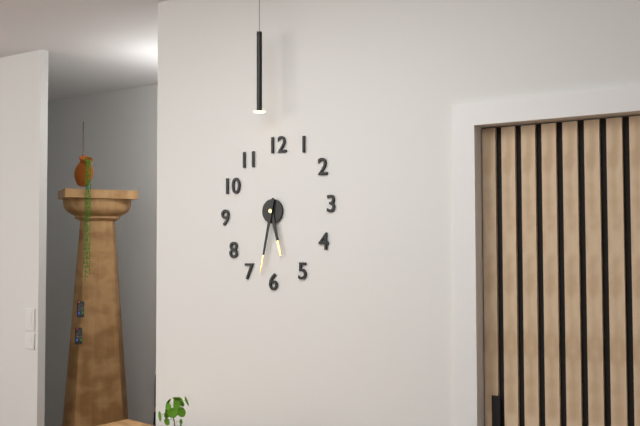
**5:32**
